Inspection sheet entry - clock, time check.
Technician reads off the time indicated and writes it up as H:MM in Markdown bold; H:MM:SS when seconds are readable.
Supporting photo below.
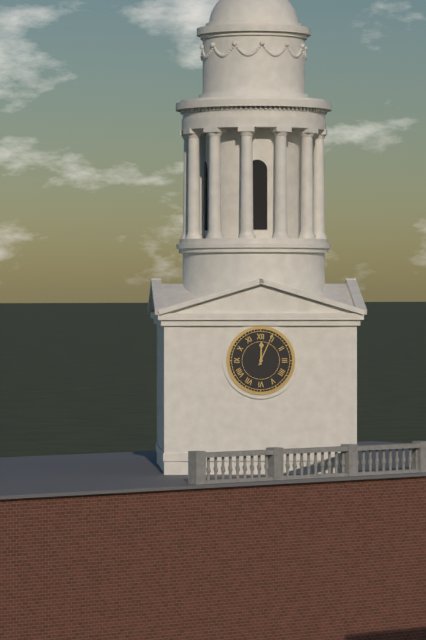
**12:04**
